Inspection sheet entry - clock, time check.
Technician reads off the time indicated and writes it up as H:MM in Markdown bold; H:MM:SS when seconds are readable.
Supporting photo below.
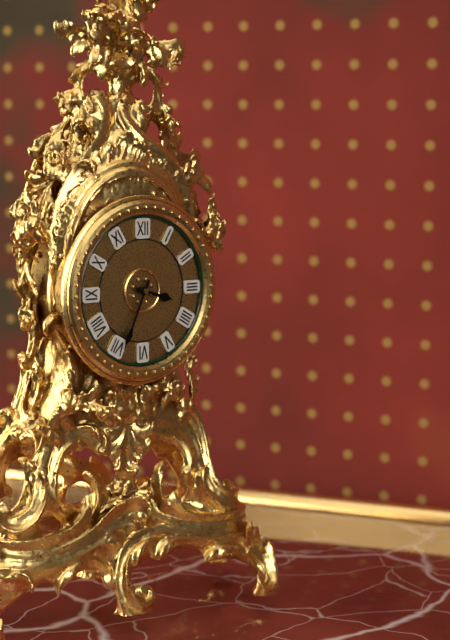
**3:34**
